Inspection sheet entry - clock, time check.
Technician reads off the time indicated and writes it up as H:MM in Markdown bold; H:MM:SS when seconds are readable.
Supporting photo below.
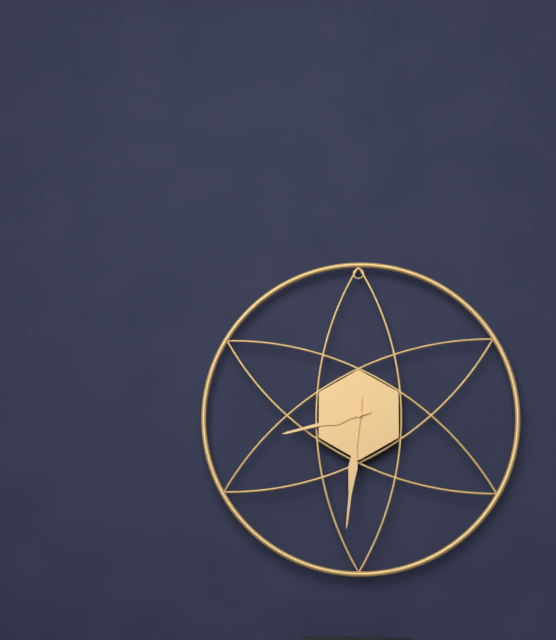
**8:31**
